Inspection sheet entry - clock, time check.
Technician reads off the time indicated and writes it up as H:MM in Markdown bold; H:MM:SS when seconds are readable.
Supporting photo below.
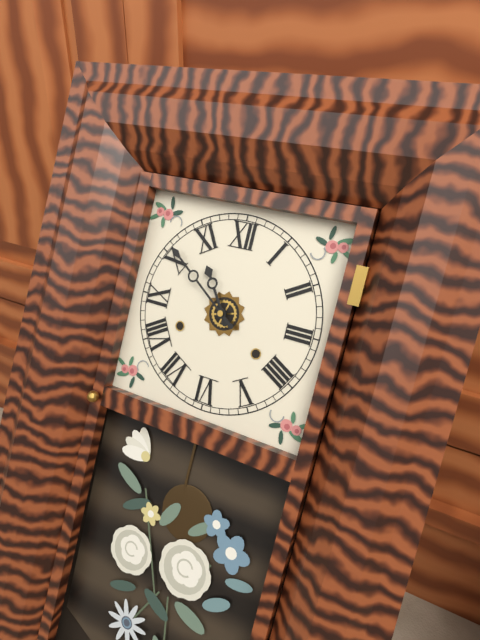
**10:51**
